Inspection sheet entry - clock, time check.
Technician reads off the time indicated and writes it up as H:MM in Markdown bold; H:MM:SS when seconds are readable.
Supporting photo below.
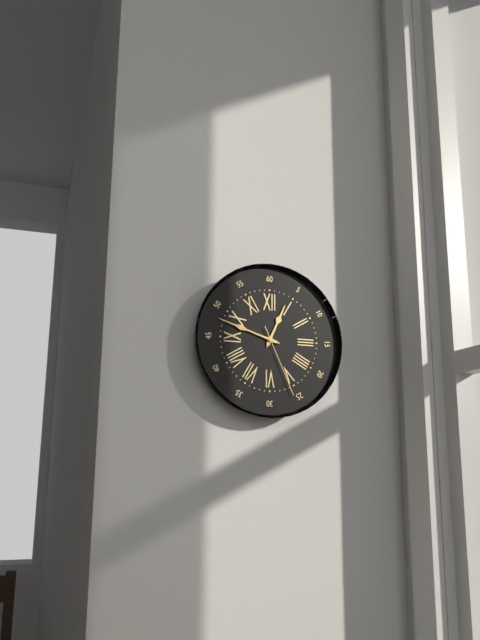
**12:48:26**
